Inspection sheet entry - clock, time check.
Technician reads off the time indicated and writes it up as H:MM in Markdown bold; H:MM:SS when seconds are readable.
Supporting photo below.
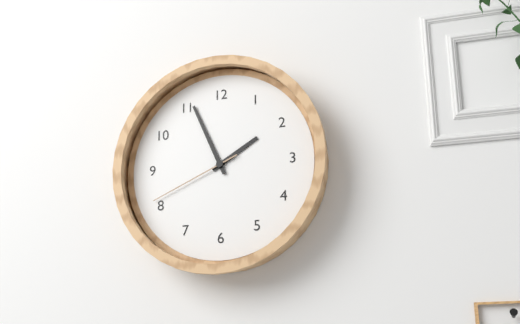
**1:56:41**
